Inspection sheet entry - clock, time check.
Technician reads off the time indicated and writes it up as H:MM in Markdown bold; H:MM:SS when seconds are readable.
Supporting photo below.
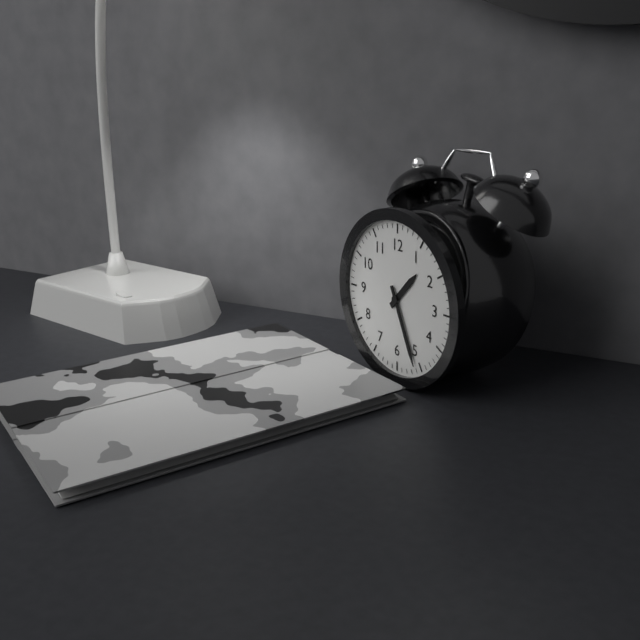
**1:26**
